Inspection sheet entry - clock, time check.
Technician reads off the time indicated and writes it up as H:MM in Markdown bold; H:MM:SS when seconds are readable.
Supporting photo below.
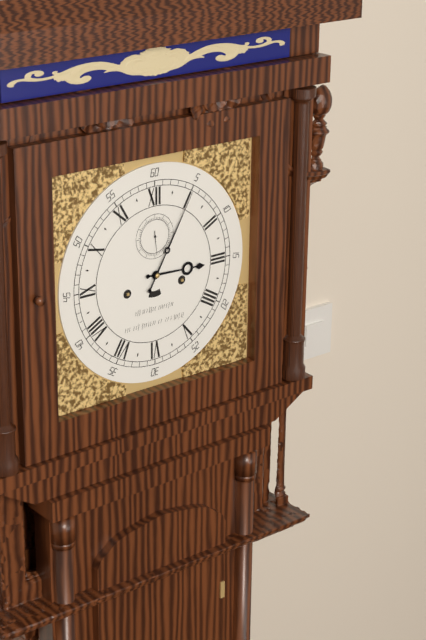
**3:05**
